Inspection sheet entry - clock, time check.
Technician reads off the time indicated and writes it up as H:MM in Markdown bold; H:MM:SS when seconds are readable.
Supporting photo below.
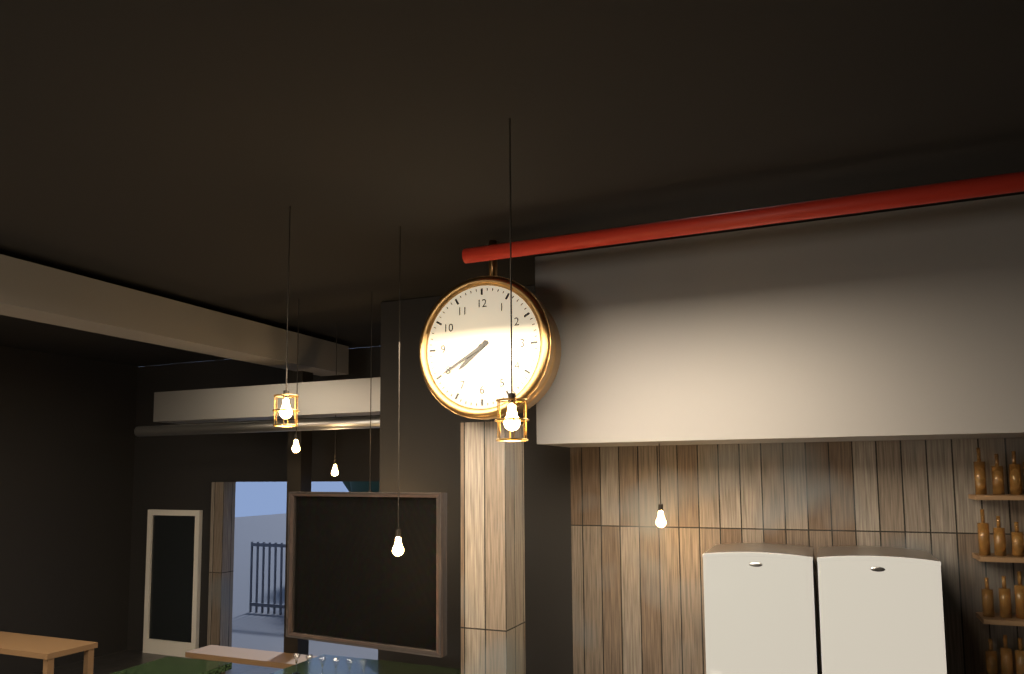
**7:40**
